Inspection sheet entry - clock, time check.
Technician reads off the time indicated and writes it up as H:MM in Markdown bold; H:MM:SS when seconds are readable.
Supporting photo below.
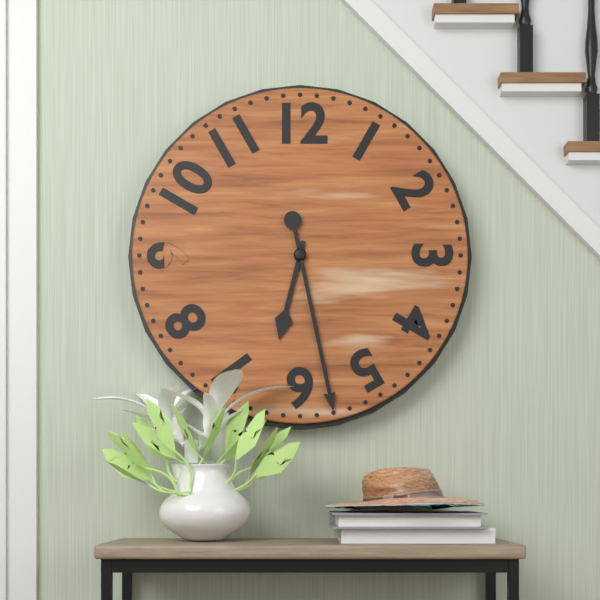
**6:28**
